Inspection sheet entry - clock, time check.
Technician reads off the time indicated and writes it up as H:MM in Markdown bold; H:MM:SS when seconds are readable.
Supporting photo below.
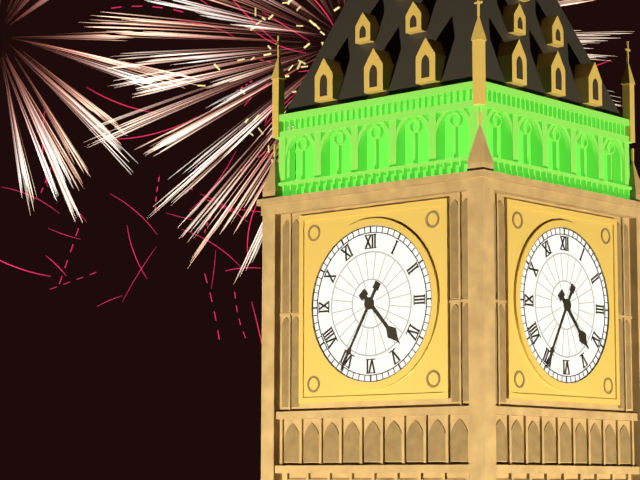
**4:35**
